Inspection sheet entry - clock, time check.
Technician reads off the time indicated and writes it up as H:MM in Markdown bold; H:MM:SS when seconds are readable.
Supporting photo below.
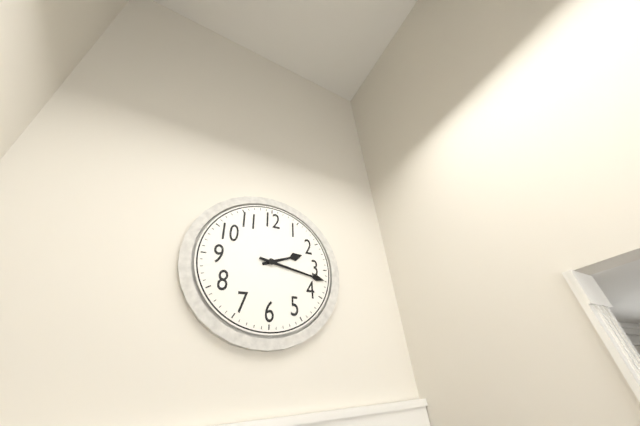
**2:17**
